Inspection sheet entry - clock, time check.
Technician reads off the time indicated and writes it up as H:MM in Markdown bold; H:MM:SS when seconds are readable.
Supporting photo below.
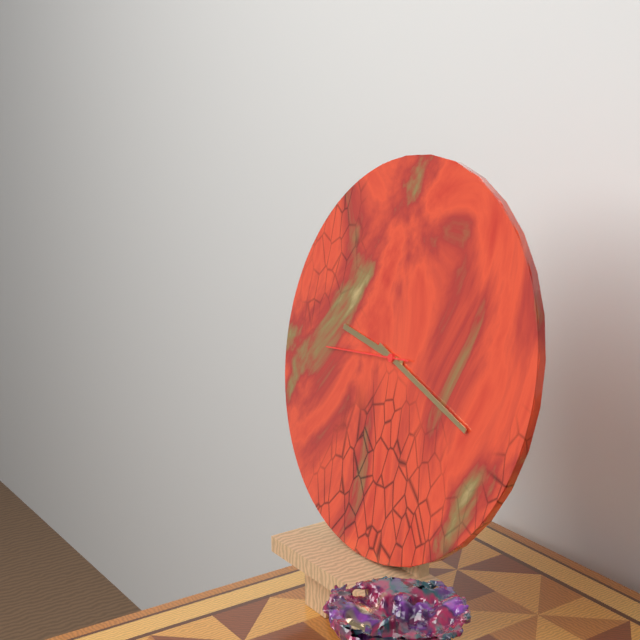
**9:18:44**
